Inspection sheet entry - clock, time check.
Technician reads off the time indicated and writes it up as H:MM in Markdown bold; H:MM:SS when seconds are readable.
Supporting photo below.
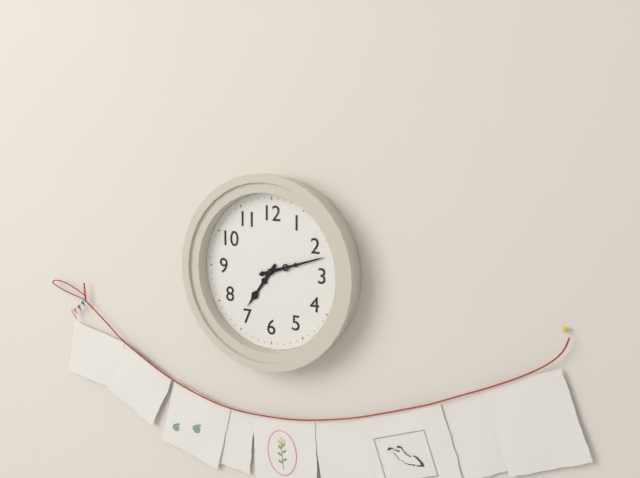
**7:12**
